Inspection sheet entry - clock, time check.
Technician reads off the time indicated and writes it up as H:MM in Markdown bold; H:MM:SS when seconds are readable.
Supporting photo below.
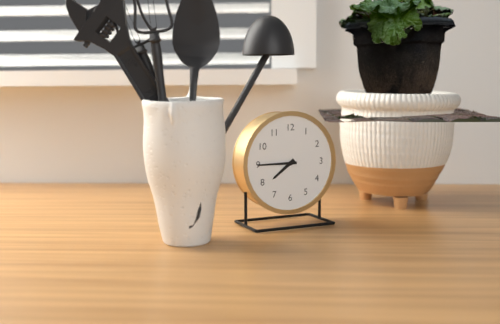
**7:45**
